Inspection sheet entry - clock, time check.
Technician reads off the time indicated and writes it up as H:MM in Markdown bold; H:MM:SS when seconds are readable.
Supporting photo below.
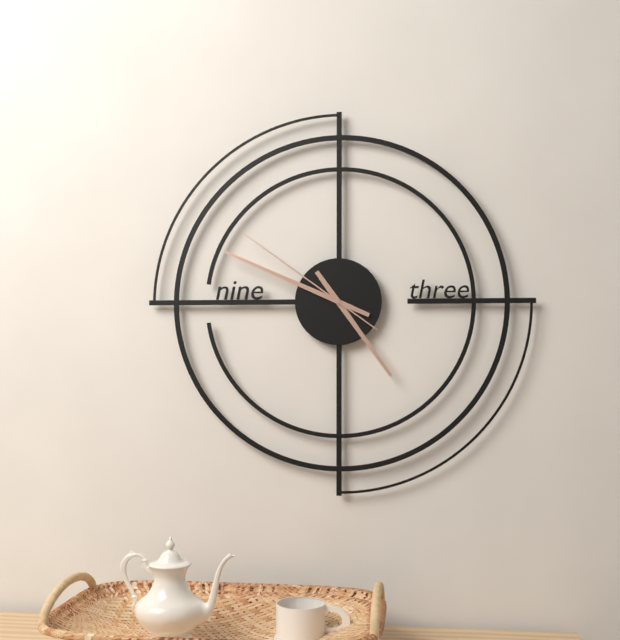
**4:49:51**
